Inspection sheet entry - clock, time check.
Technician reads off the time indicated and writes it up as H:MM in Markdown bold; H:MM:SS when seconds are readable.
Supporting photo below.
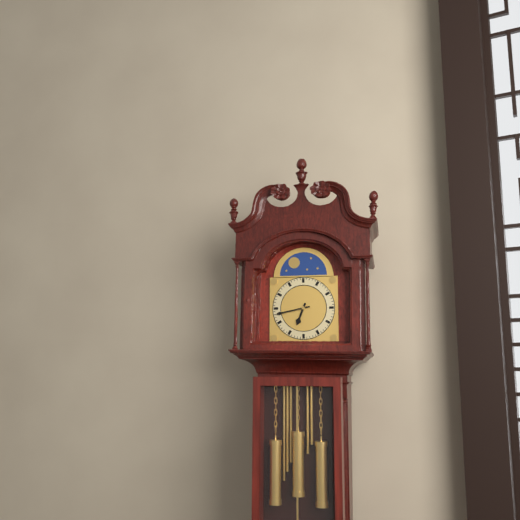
**6:43**
